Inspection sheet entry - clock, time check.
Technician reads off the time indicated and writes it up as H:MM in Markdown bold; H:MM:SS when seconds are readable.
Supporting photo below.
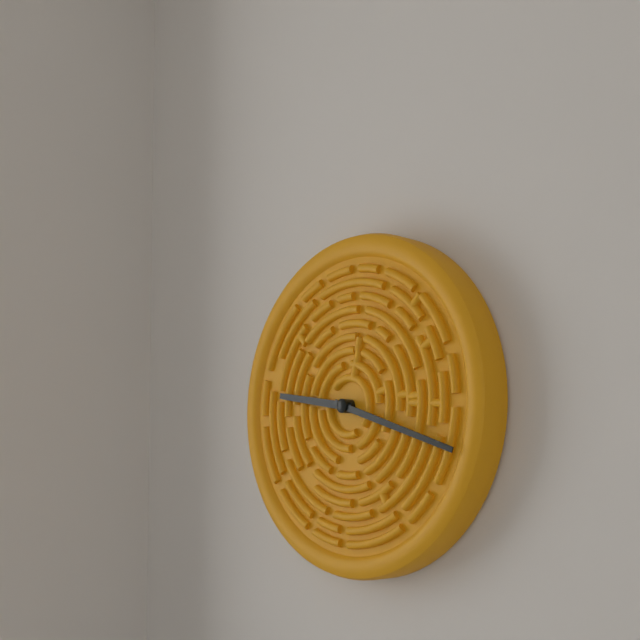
**9:18**
